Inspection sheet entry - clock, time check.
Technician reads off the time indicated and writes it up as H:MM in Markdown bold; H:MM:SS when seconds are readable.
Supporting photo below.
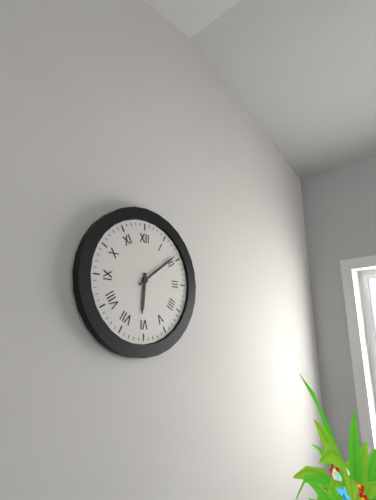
**6:09**
